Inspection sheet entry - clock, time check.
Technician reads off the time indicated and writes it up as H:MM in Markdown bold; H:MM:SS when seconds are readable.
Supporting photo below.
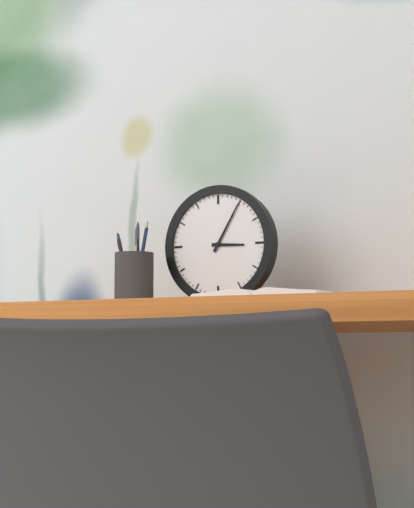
**3:05**
